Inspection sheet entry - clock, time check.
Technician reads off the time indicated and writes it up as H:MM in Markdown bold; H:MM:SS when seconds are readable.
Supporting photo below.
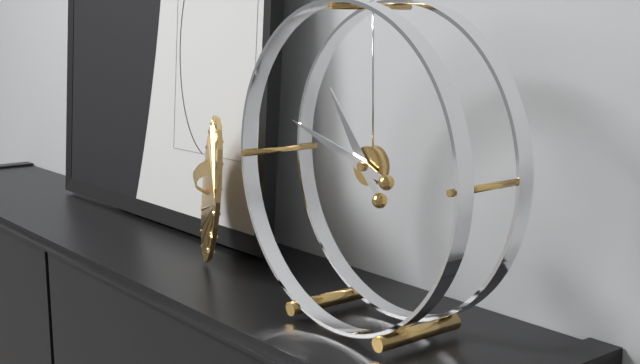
**10:48**
